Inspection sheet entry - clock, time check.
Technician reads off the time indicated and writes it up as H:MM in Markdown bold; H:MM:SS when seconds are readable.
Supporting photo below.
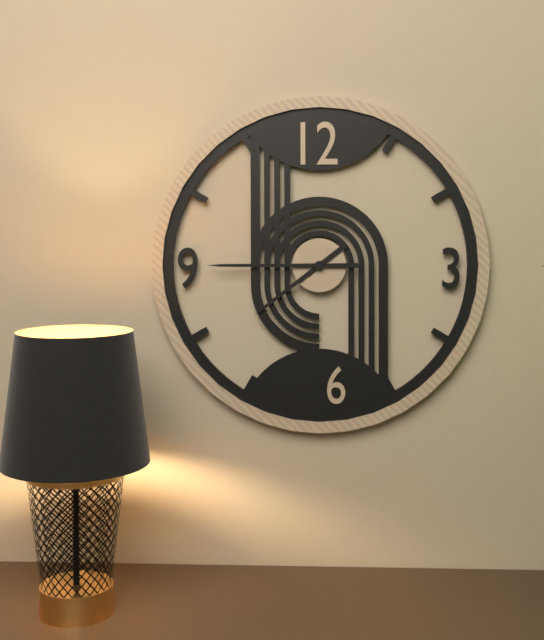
**7:45**
